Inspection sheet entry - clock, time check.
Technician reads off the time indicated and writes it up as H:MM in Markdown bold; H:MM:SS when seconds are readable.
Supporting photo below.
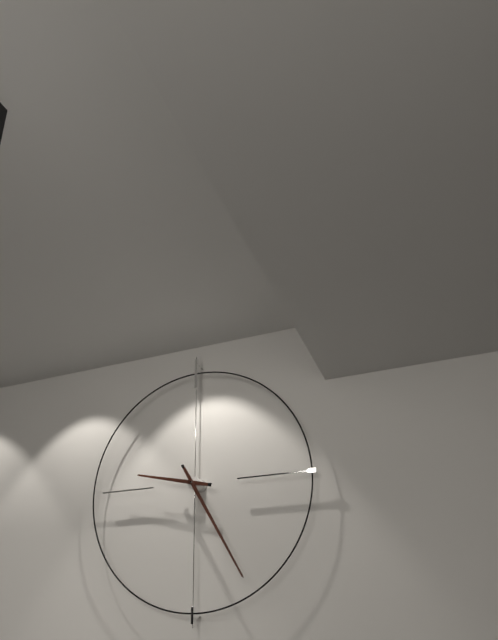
**9:25**
